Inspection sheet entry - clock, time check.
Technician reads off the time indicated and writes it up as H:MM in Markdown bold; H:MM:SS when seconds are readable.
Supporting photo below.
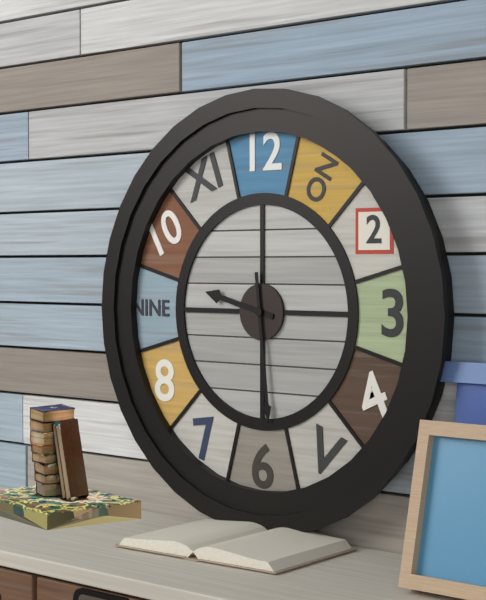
**9:29**
